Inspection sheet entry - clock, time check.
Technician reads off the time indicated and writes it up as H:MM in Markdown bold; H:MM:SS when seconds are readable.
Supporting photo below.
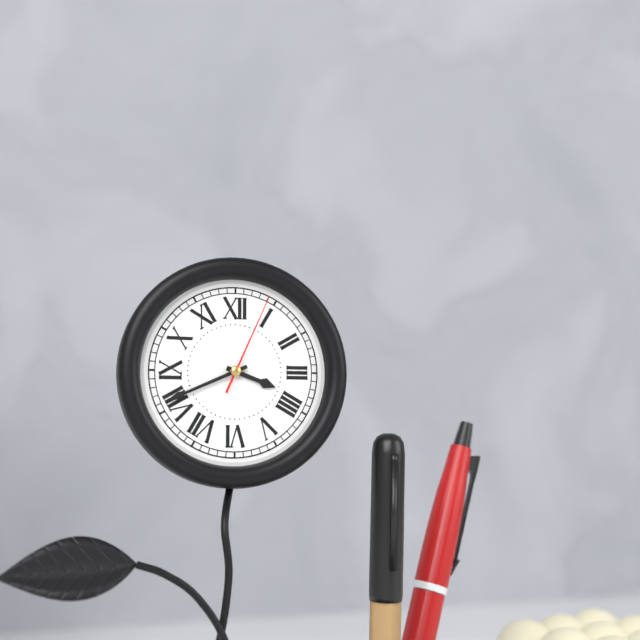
**3:41:04**
